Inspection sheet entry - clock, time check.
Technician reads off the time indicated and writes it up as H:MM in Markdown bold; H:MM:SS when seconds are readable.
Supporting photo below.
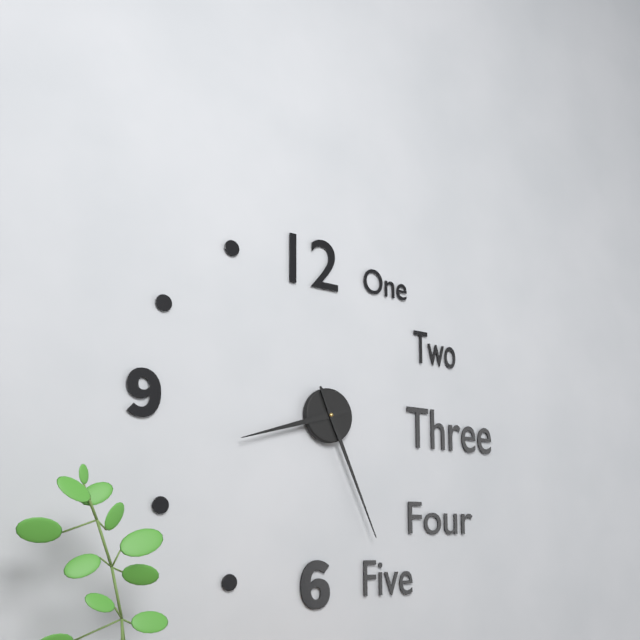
**8:26**
